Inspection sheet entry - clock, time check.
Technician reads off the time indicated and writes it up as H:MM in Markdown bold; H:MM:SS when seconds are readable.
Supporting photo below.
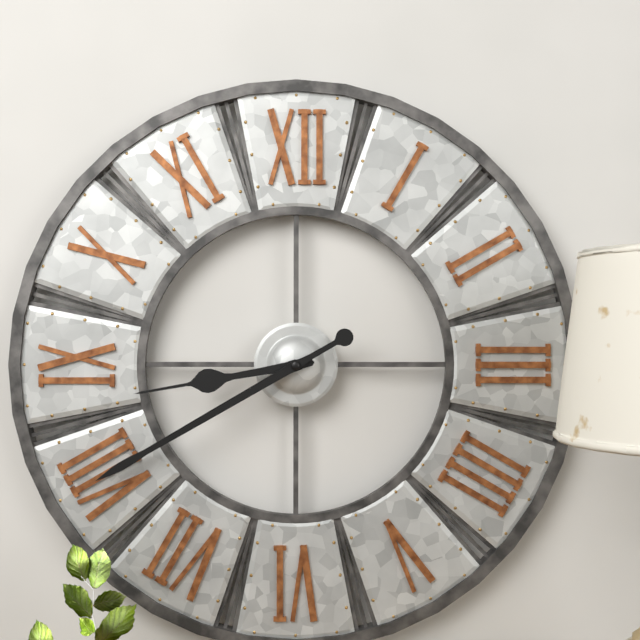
**8:40**
